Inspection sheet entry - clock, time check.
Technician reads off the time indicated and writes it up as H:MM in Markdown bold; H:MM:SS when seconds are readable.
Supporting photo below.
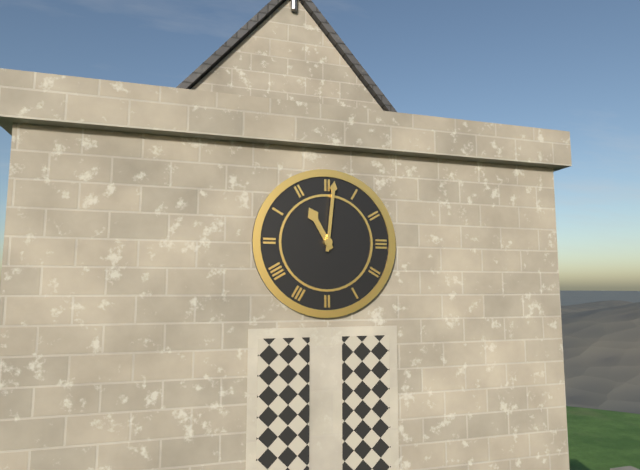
**11:01**
